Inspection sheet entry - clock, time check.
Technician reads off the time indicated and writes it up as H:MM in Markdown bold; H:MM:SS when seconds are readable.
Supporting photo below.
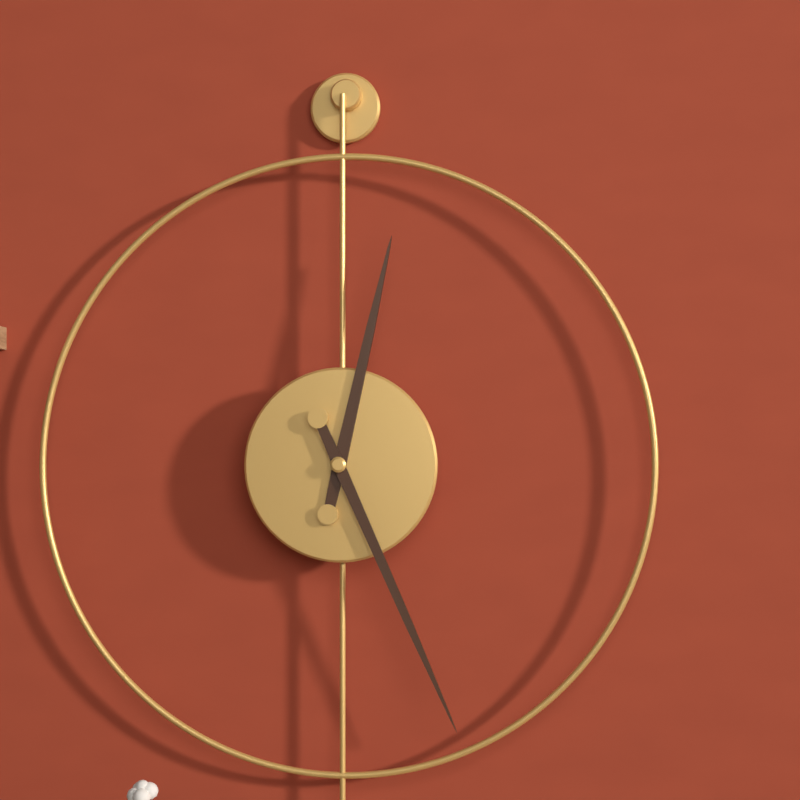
**12:26**
